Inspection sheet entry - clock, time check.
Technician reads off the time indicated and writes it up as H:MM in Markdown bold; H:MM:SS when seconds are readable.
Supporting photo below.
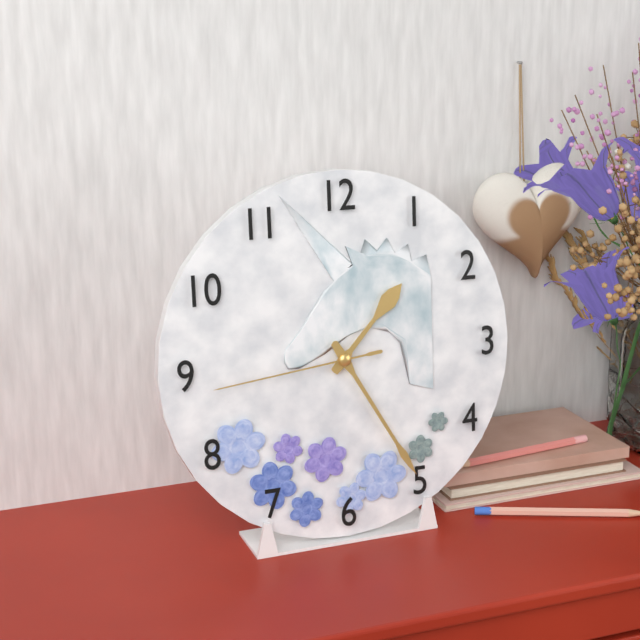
**1:25:44**
